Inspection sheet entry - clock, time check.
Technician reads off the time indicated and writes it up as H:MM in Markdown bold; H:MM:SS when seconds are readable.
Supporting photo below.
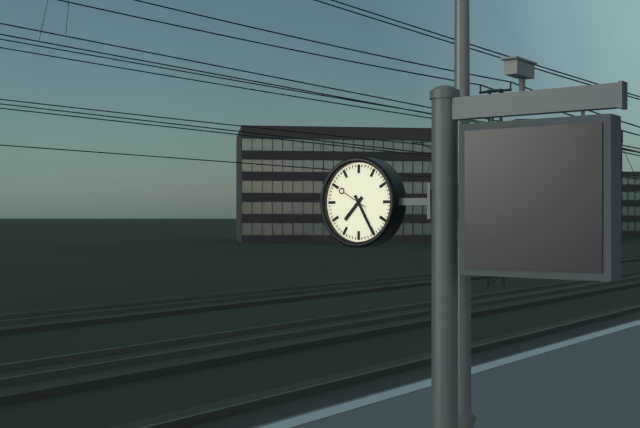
**7:25**
